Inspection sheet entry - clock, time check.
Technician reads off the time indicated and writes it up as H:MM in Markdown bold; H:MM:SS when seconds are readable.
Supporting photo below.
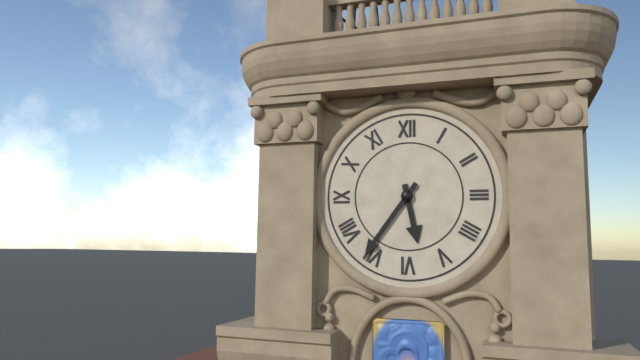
**5:36**
